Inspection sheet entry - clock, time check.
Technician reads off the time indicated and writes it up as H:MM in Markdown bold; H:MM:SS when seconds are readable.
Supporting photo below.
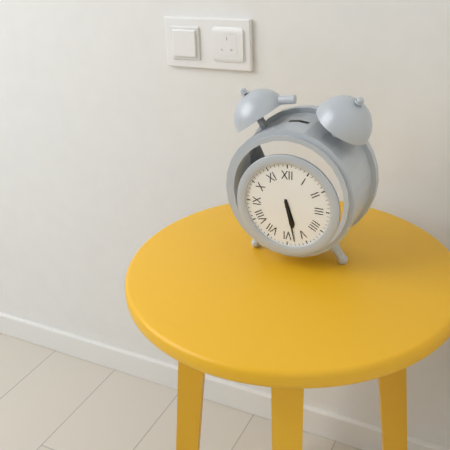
**5:28**
